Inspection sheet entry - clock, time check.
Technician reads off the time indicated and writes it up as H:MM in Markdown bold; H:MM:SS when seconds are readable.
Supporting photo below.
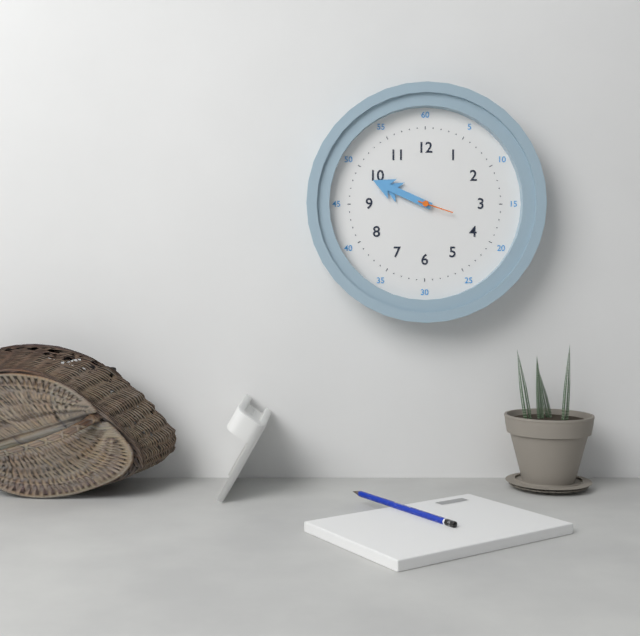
**9:49**
